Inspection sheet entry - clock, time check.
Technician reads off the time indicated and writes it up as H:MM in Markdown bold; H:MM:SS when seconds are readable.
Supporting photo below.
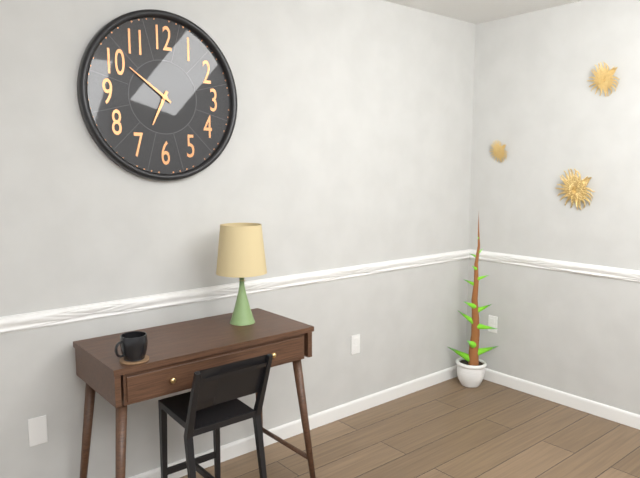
**6:51**
